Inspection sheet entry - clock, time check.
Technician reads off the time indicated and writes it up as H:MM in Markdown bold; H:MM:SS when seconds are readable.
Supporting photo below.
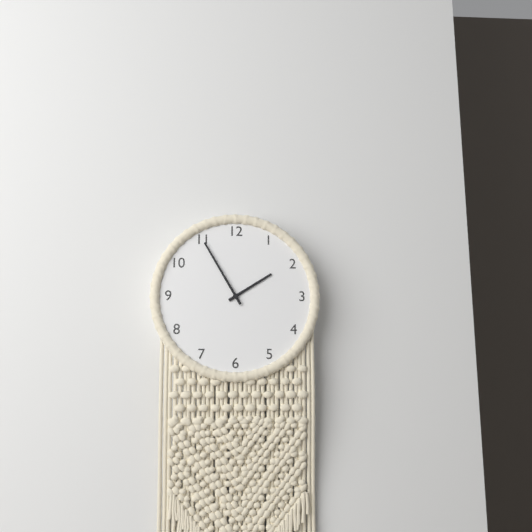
**1:55**
